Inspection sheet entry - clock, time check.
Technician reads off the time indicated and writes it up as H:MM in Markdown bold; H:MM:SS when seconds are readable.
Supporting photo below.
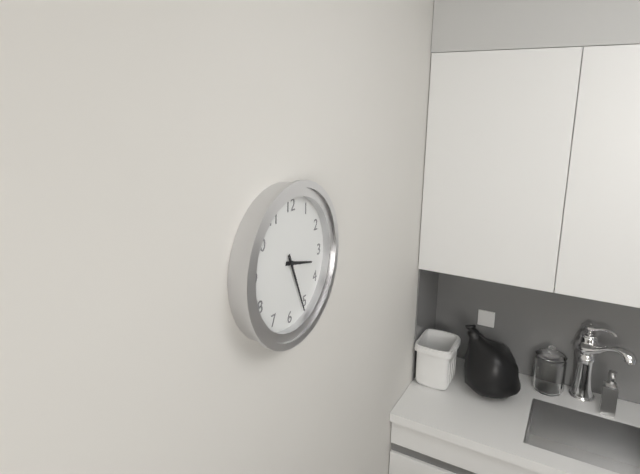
**3:26**
